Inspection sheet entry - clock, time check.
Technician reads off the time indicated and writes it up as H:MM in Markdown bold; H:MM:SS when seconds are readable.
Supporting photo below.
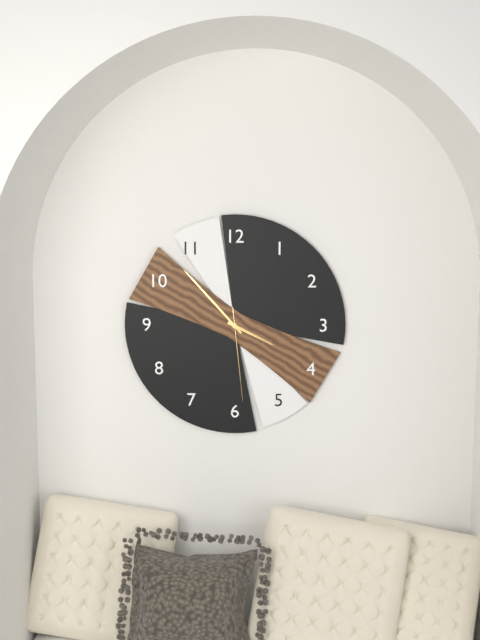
**3:53:29**
